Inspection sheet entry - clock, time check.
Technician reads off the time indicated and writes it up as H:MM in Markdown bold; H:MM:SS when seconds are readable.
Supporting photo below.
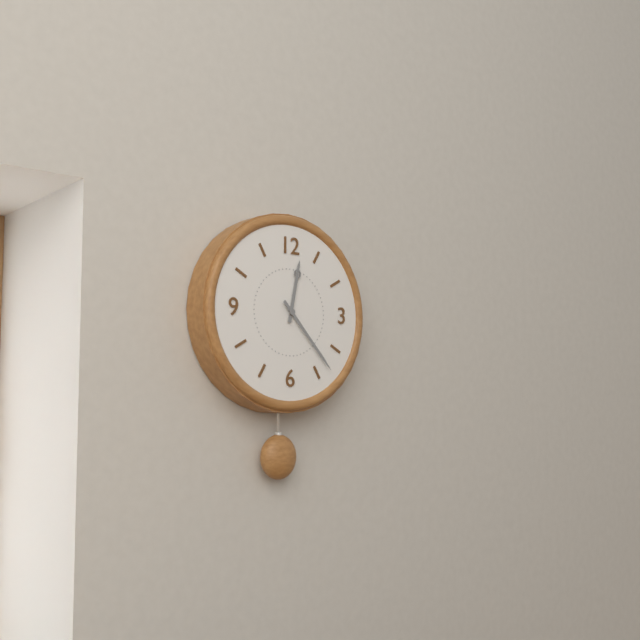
**12:23**
